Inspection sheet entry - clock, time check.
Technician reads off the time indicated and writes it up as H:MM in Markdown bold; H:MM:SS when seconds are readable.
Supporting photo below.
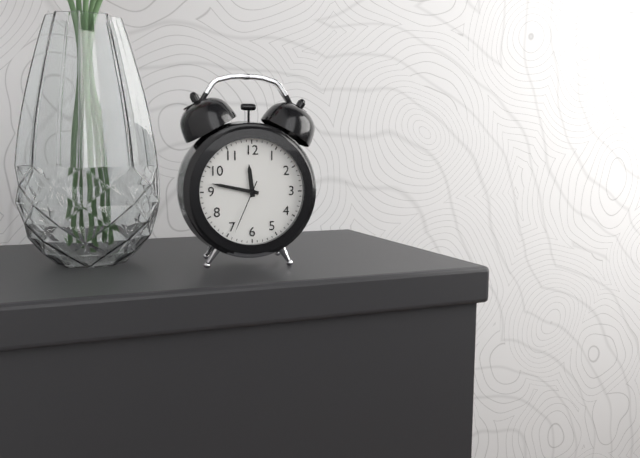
**11:47:34**
